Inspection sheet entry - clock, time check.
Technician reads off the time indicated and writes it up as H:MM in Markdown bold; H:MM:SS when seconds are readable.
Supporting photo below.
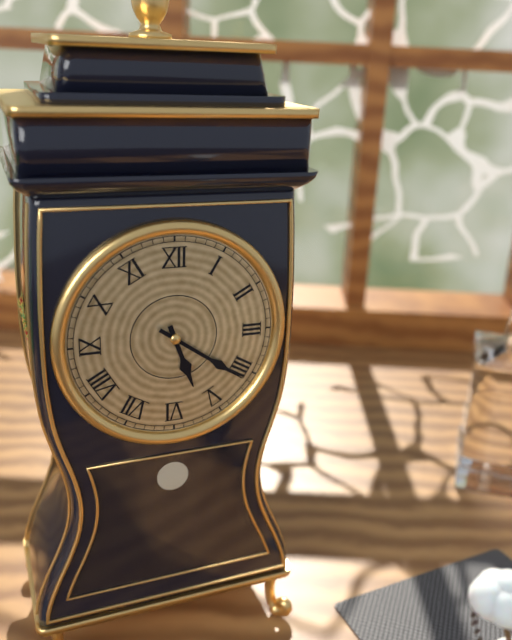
**5:21**
